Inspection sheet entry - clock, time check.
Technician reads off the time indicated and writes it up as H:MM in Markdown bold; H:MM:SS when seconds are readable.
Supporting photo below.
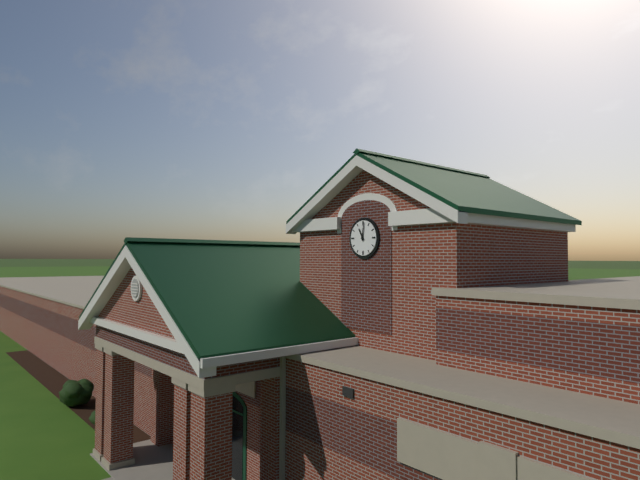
**11:01**
